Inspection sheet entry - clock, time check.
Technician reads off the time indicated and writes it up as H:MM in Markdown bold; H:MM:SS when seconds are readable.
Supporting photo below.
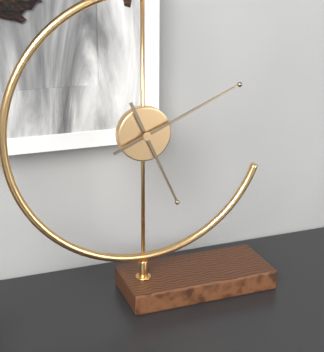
**5:11**
